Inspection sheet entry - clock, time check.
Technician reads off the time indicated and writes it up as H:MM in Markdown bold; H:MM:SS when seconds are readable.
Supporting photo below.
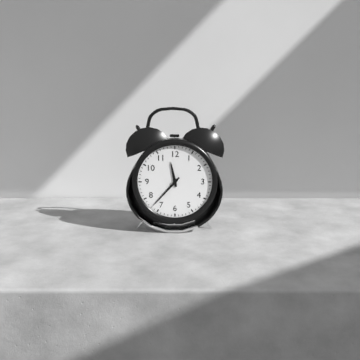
**11:37**
